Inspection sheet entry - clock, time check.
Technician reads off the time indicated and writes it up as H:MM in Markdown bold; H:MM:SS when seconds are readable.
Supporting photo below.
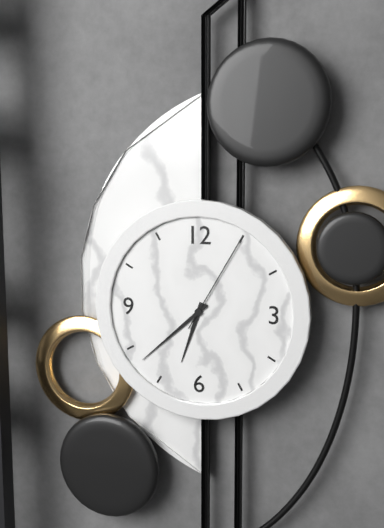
**6:38:05**
